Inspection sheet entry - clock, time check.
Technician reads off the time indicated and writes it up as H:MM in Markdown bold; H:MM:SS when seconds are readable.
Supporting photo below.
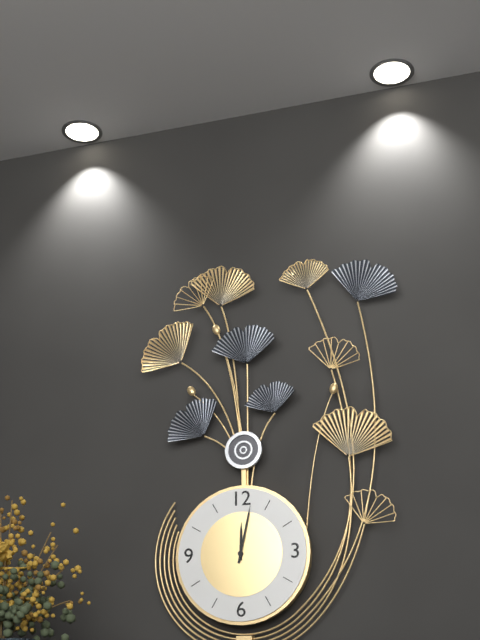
**12:02**
